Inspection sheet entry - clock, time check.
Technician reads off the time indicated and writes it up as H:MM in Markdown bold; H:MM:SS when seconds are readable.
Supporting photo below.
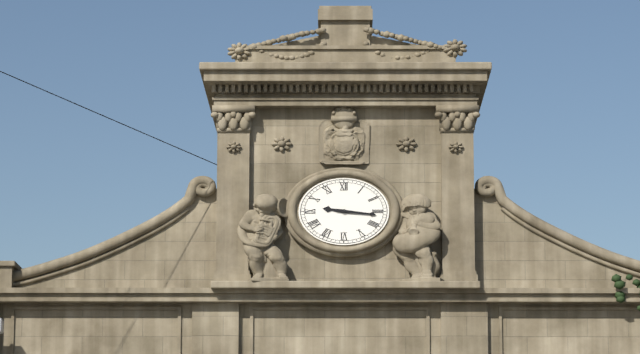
**9:16**
